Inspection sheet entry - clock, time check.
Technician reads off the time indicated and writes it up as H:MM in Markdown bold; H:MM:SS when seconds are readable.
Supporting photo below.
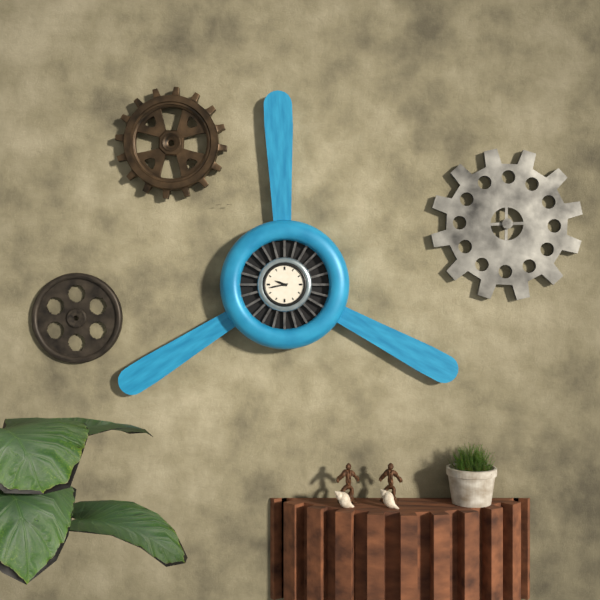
**9:43**
